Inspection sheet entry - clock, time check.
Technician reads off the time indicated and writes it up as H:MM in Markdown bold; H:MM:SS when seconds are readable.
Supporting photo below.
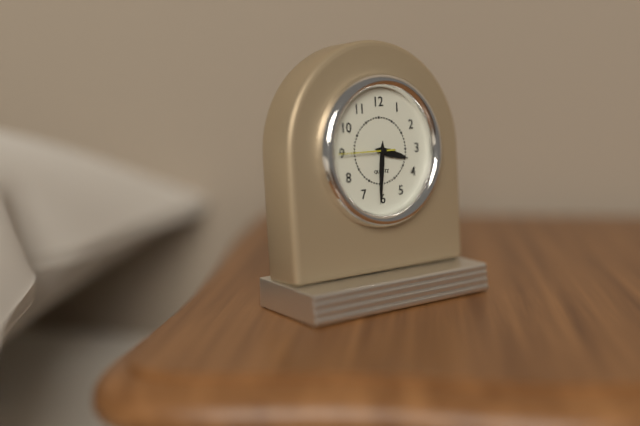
**3:31:45**
